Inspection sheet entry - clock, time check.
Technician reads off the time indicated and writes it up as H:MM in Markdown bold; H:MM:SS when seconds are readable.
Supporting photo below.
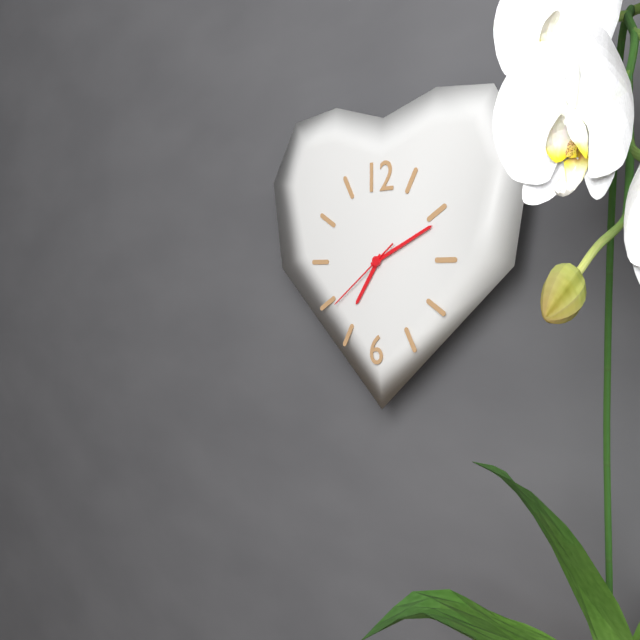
**7:11:39**
